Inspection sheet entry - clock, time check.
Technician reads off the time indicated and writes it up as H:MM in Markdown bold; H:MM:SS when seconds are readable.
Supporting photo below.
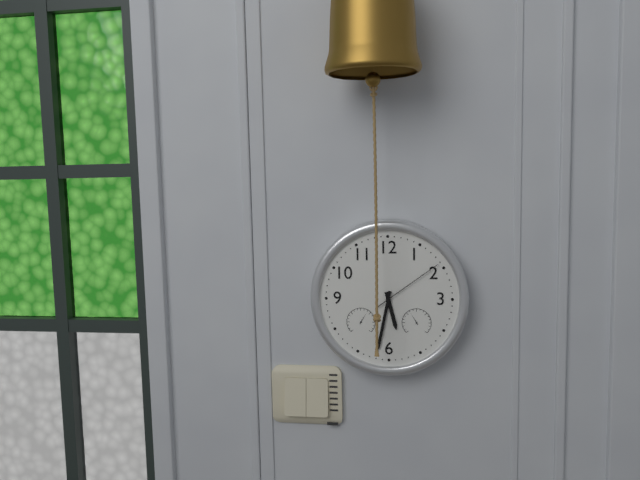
**5:32:09**
